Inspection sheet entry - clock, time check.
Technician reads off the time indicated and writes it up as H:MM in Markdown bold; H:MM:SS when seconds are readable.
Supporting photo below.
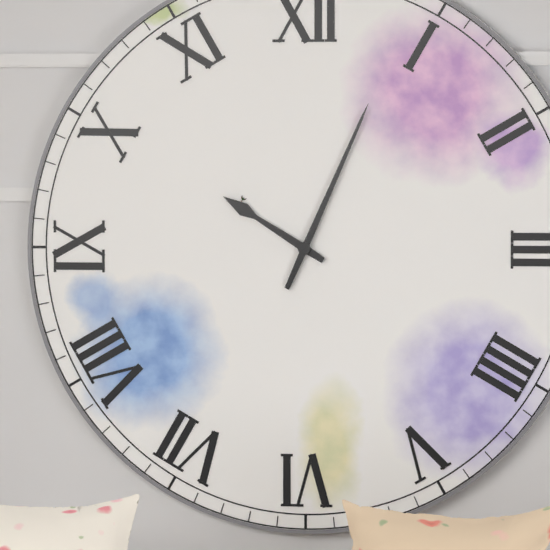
**10:04**
